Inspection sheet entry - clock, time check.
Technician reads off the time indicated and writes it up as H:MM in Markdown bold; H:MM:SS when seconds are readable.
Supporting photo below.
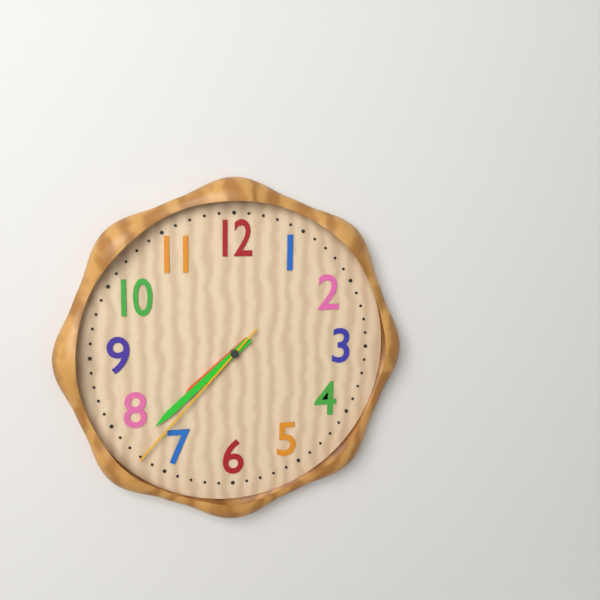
**7:38:37**
